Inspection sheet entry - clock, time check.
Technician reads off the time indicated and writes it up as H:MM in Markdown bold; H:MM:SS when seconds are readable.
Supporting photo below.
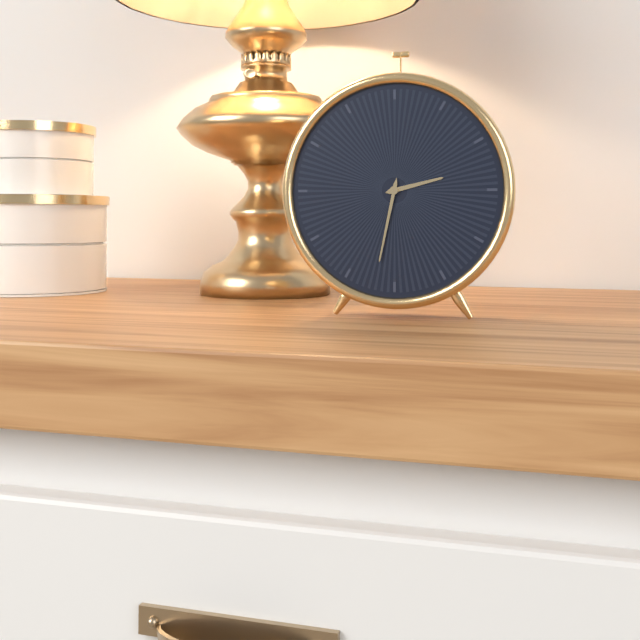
**2:32**
